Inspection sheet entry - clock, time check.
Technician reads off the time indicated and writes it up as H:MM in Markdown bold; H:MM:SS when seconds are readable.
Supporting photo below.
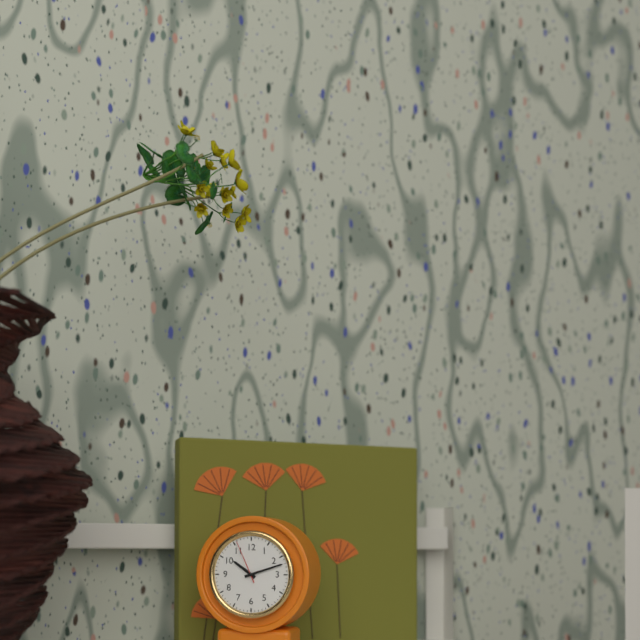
**10:12**
